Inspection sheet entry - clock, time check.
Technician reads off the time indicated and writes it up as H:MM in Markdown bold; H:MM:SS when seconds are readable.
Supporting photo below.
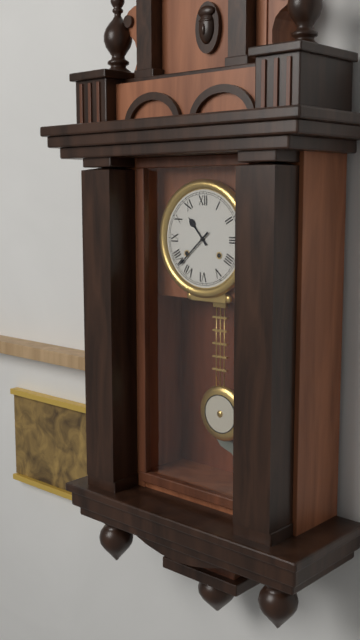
**10:38**
